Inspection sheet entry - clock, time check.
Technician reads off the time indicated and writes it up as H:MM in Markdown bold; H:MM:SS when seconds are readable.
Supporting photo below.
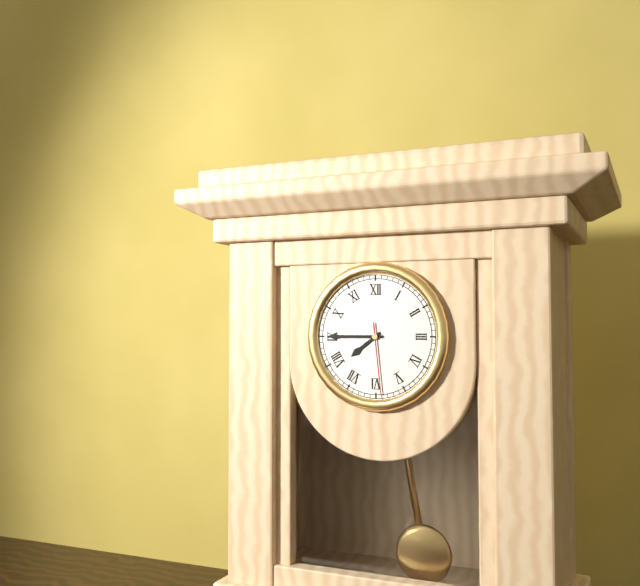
**7:45:29**
